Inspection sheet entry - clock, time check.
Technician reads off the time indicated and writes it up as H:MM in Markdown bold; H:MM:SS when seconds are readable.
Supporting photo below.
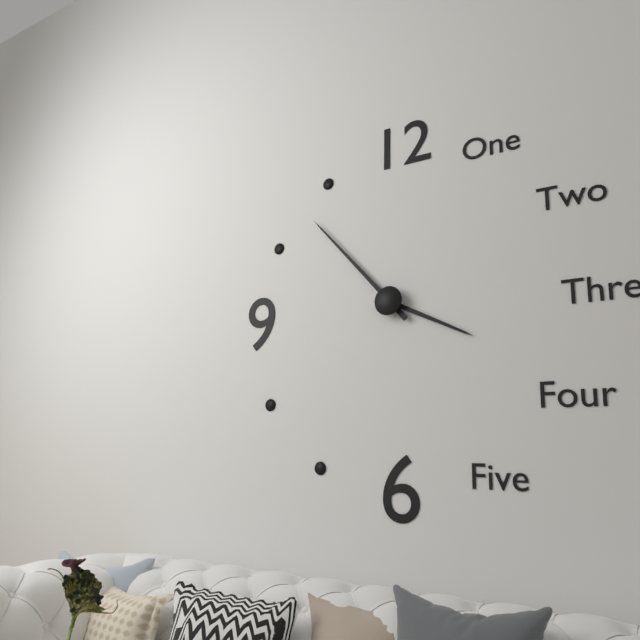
**3:53**
